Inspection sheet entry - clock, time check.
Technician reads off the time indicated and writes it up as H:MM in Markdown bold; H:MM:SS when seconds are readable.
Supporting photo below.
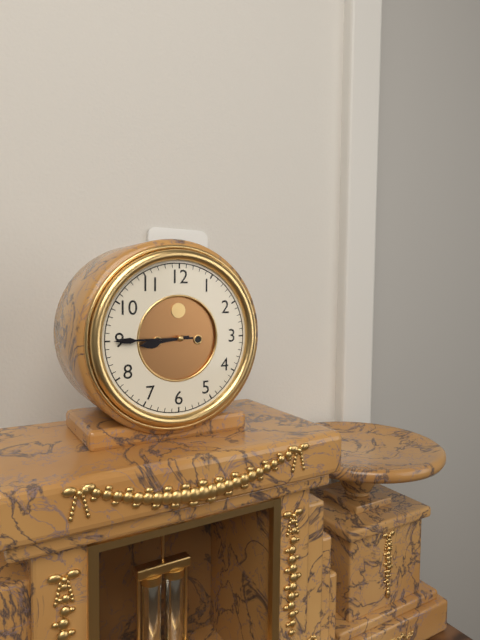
**8:45**
